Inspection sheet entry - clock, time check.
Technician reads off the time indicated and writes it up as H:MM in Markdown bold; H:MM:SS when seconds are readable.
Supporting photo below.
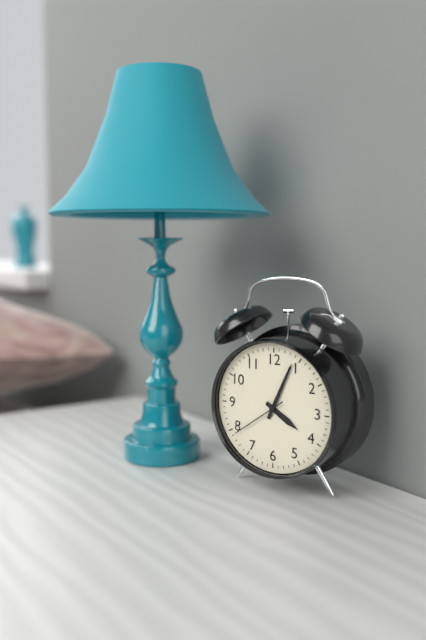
**4:04:39**
